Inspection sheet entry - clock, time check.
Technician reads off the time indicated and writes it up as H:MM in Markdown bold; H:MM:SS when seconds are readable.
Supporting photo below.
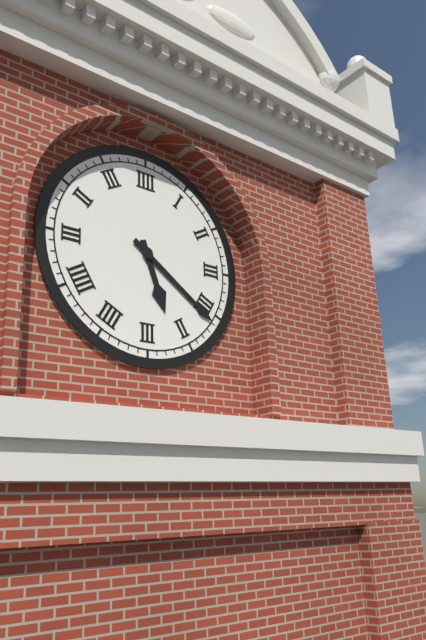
**5:21**
